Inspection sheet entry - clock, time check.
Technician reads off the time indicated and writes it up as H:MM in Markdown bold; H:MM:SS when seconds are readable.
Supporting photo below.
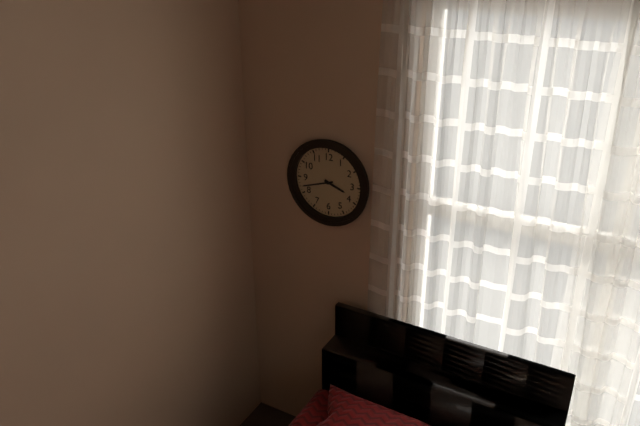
**3:42**
